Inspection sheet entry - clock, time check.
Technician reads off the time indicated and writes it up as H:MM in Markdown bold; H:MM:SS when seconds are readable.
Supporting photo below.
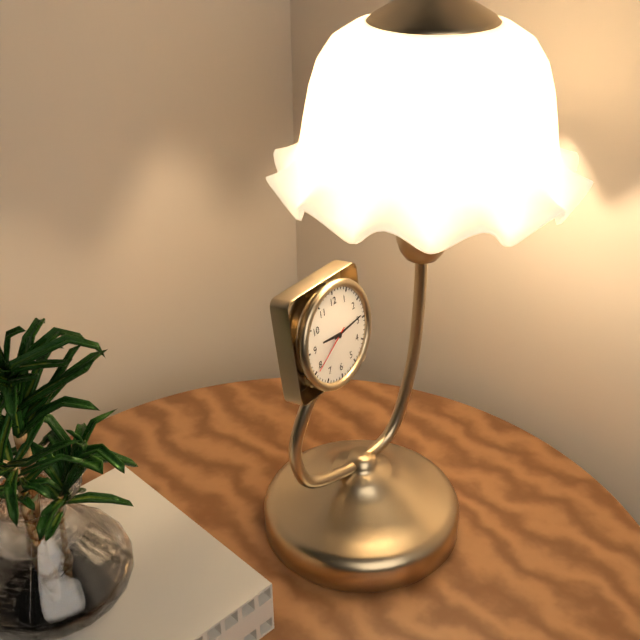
**9:14:40**
